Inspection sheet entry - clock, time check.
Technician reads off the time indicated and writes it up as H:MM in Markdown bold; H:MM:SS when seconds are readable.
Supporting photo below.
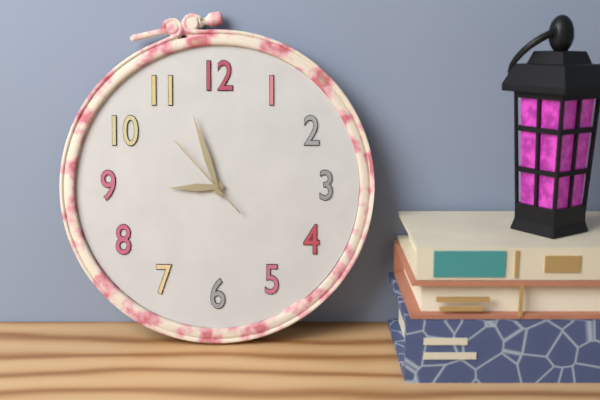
**8:57:53**
